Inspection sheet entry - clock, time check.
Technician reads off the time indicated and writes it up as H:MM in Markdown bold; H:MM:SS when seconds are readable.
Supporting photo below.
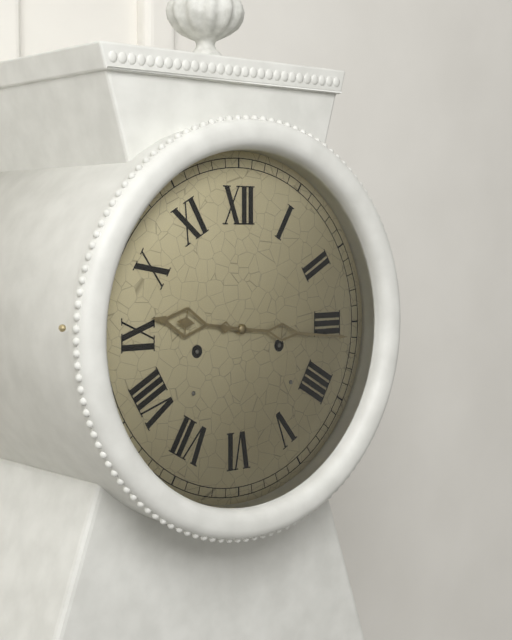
**9:16**
